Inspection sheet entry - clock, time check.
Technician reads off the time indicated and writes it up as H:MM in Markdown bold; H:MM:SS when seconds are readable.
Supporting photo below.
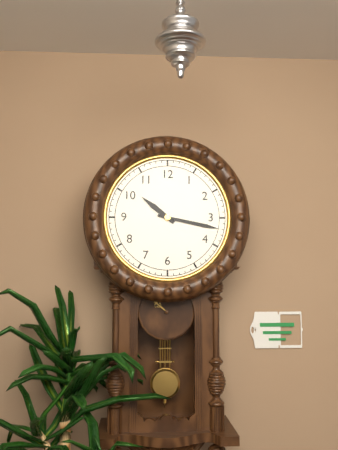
**10:17**
